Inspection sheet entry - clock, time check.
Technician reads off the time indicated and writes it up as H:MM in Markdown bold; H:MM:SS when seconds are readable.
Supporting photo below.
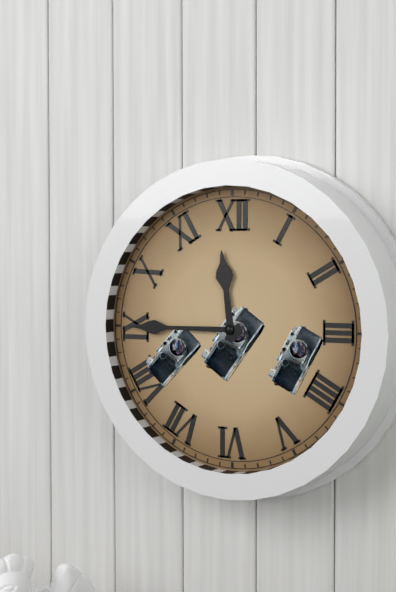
**11:45**
